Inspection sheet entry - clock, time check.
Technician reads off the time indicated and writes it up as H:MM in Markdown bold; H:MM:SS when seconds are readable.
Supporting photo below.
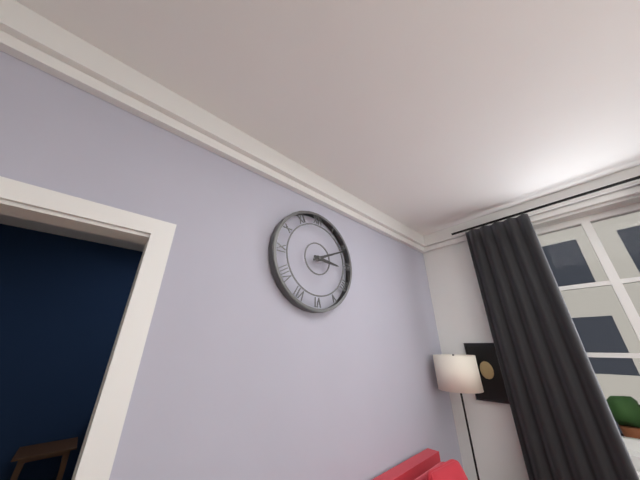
**3:11**
